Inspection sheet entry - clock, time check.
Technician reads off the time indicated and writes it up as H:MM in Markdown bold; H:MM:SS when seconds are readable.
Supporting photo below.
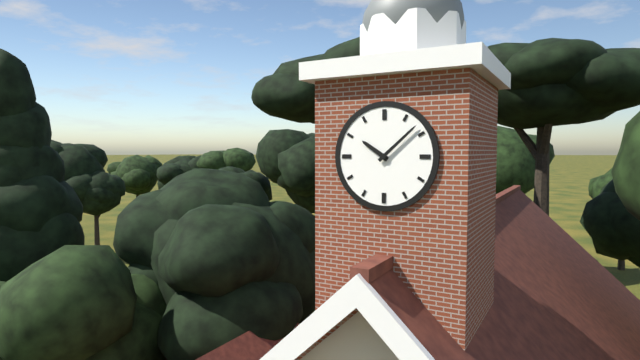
**10:08**
